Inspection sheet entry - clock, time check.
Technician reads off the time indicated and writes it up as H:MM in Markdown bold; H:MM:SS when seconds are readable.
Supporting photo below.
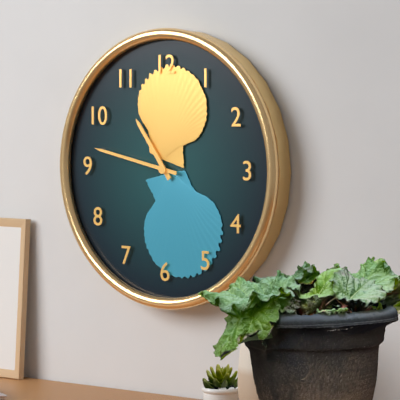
**10:47**
